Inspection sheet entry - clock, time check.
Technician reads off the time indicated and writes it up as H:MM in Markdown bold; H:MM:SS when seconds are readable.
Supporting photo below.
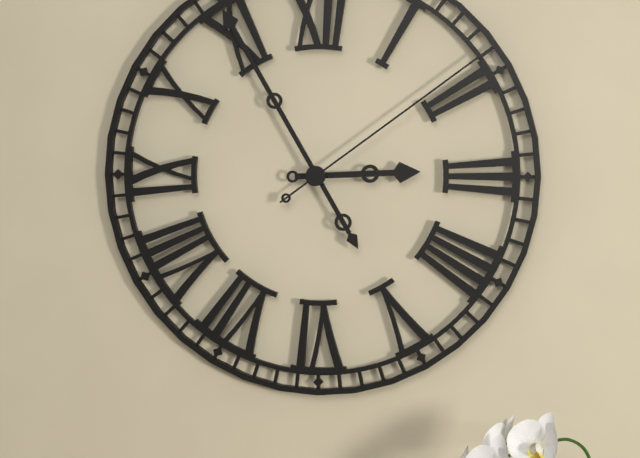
**2:55:09**
